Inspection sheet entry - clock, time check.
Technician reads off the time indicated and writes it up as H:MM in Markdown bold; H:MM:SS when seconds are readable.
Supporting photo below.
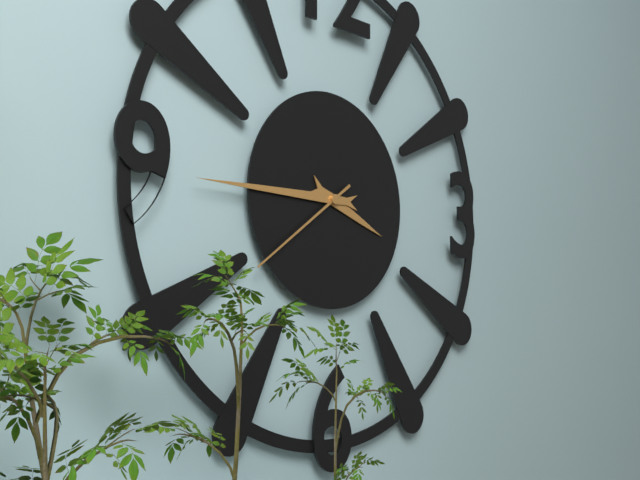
**3:45:39**
